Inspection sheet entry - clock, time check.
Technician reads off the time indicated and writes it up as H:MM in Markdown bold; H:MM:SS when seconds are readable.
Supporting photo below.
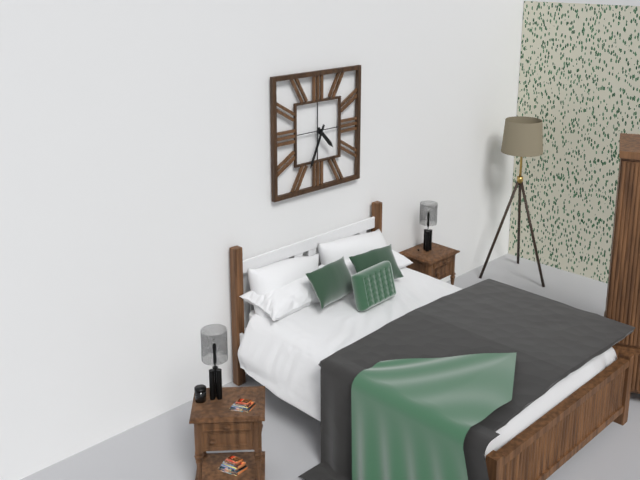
**4:34**
